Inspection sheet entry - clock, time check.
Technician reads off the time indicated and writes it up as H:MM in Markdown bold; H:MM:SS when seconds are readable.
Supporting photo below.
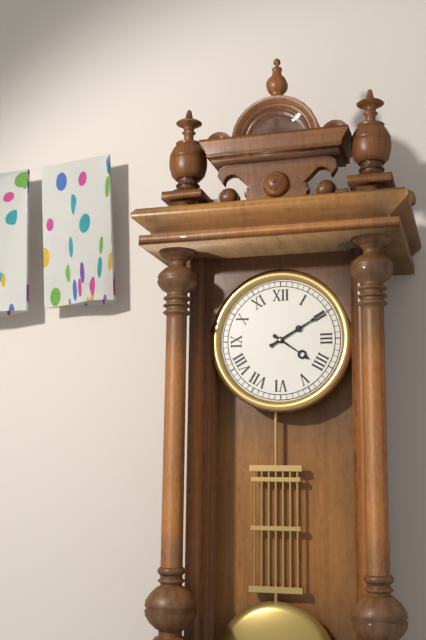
**4:10**
